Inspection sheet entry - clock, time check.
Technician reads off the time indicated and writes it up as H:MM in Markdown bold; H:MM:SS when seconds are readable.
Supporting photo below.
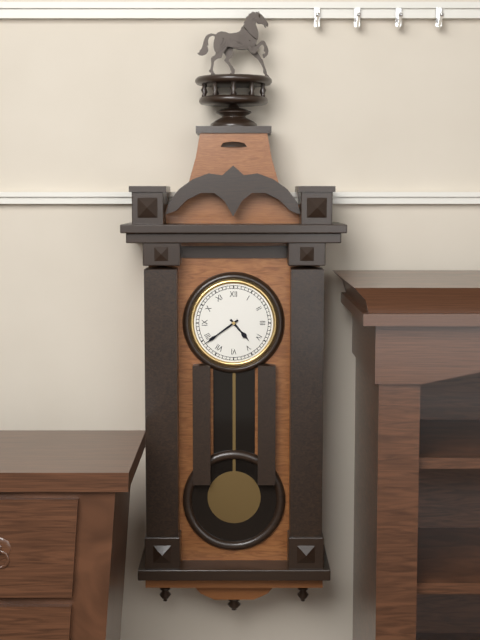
**4:39**
